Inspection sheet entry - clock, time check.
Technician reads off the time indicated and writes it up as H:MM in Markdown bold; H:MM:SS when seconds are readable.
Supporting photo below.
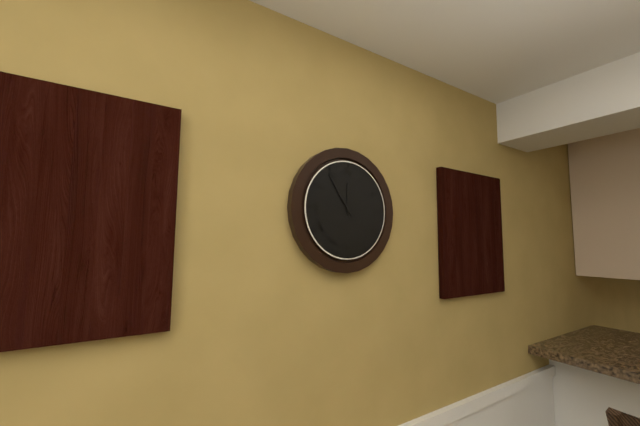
**11:54**
